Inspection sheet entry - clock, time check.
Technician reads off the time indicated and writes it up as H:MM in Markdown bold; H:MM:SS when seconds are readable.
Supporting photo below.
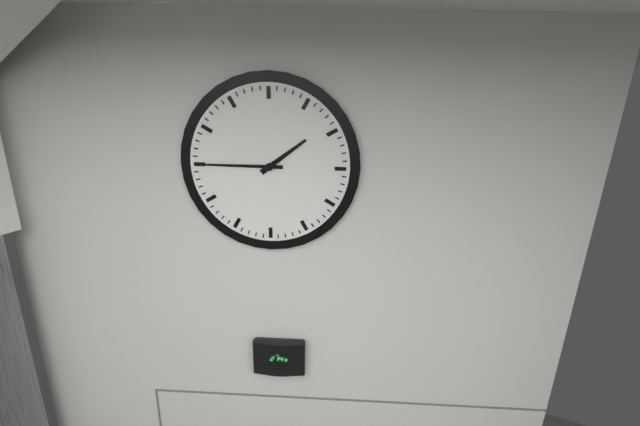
**1:45**
